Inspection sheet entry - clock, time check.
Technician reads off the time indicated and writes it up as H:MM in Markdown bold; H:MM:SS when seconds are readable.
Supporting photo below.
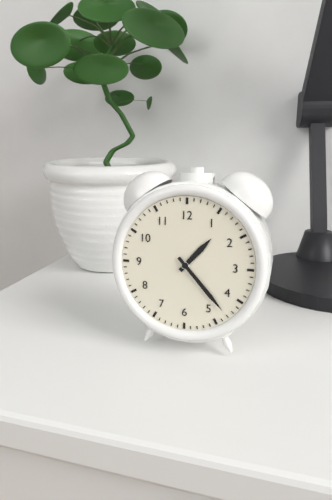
**1:23**
